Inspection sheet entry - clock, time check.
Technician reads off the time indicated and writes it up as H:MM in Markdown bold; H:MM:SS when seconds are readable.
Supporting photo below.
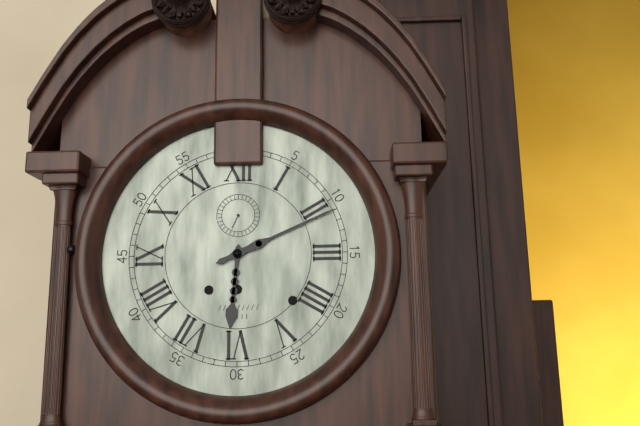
**6:11**
